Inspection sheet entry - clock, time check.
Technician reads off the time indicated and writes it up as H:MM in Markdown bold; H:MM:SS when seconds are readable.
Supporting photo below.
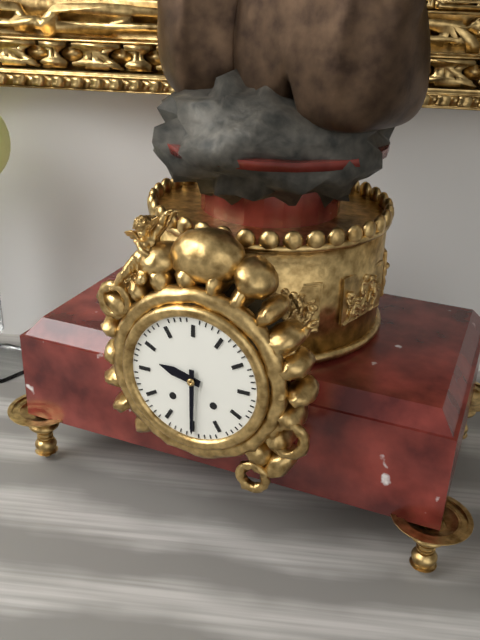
**9:30**
